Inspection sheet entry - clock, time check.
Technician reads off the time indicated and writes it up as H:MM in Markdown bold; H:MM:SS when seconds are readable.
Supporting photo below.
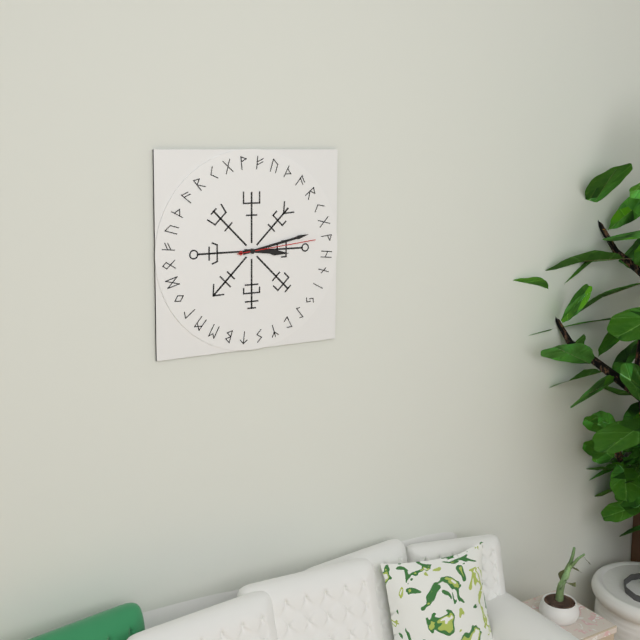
**3:13:14**
